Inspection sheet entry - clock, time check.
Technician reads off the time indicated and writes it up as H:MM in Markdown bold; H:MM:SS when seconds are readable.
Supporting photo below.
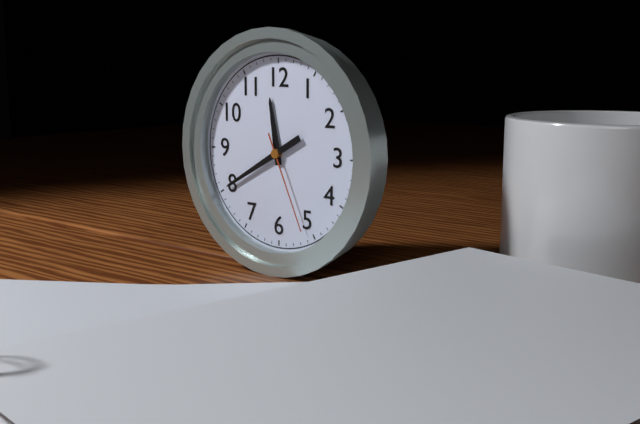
**11:40:26**
